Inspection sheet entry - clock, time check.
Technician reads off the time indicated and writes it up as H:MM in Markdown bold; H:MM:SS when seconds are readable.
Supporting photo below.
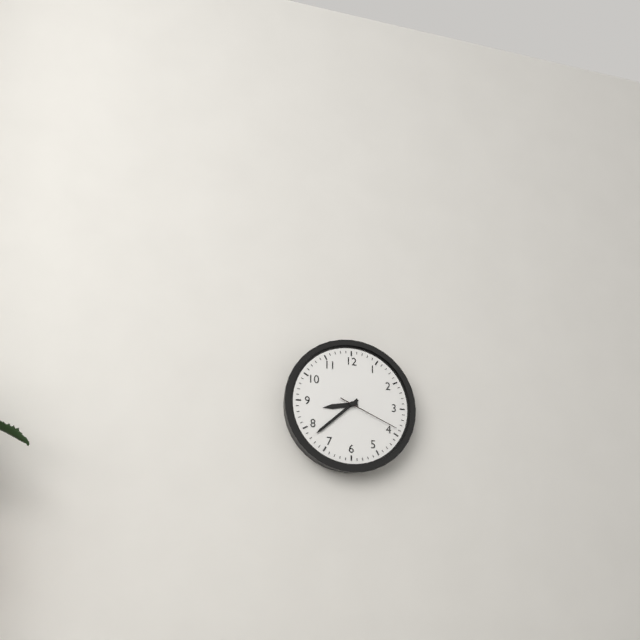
**8:38:19**
